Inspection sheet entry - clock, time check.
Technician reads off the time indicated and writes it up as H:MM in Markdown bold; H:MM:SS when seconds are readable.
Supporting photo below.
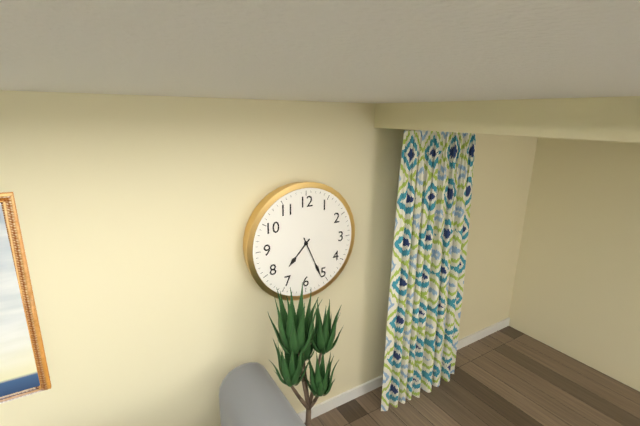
**7:26**
